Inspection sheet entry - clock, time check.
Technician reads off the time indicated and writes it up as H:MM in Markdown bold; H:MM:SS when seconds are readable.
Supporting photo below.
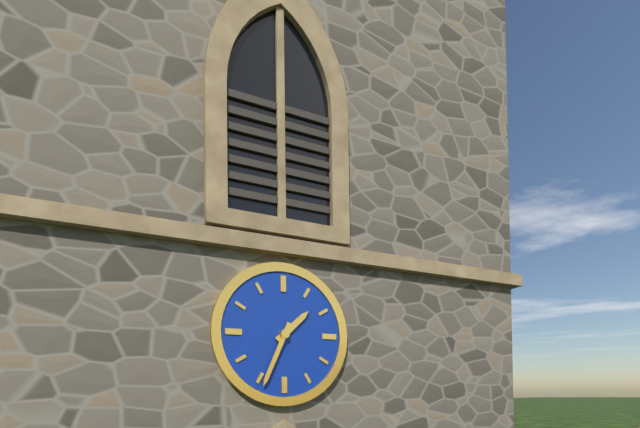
**1:34**
